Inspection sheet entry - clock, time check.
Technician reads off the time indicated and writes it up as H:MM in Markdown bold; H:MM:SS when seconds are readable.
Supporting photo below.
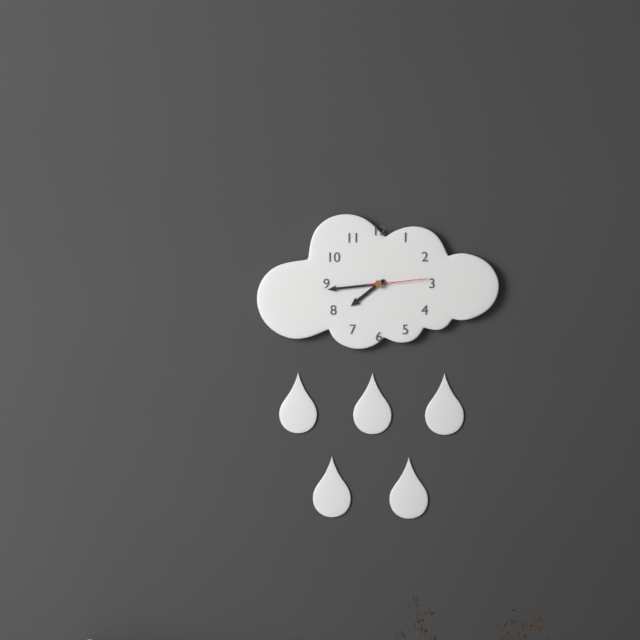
**7:44:14**
